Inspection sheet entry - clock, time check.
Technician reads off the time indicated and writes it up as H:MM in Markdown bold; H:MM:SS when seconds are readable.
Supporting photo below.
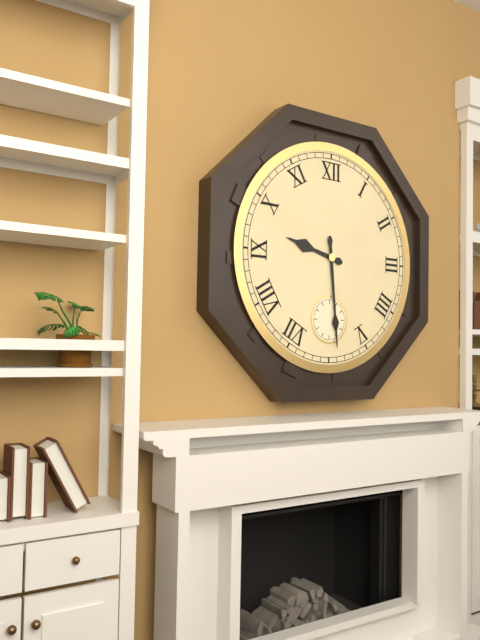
**9:29**
